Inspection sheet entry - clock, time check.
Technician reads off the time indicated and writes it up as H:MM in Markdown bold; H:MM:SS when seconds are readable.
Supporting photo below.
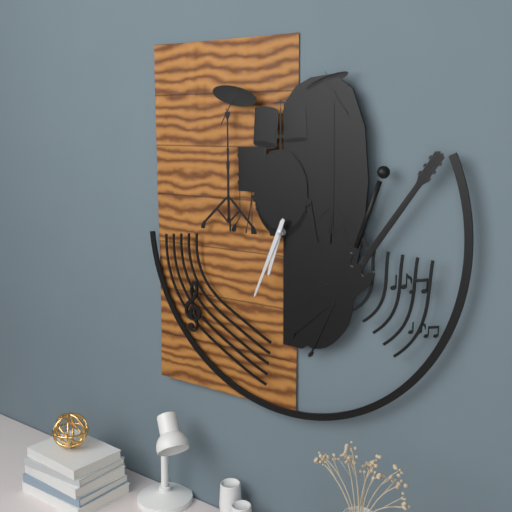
**6:34**
